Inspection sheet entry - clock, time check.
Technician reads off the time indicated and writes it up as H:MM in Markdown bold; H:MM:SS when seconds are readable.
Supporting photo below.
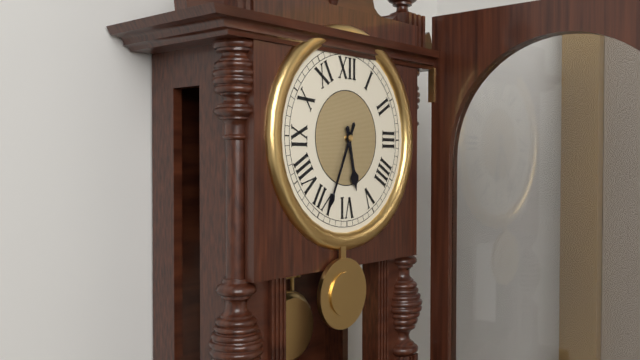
**5:34**
